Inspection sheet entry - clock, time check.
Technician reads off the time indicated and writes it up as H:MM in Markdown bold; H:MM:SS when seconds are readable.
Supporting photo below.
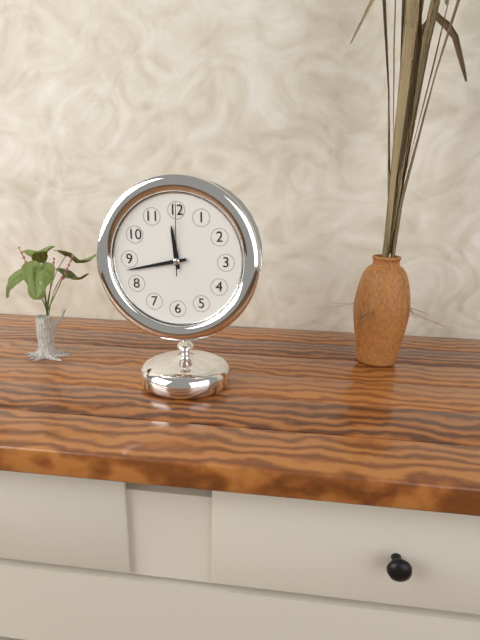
**11:43:00**
